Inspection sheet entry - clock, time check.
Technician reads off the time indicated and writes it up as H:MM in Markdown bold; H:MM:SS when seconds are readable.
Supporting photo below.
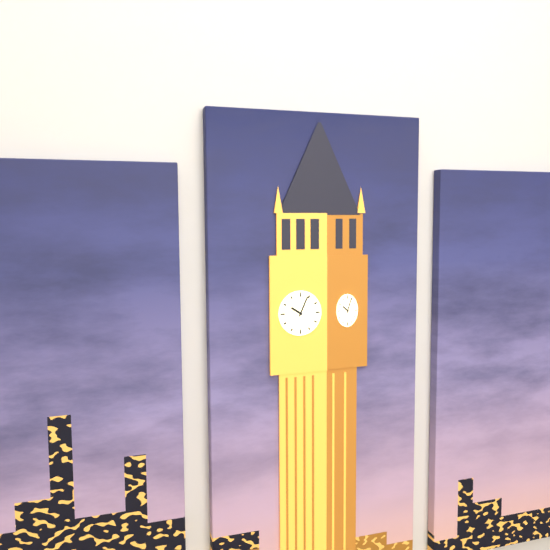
**10:04**
